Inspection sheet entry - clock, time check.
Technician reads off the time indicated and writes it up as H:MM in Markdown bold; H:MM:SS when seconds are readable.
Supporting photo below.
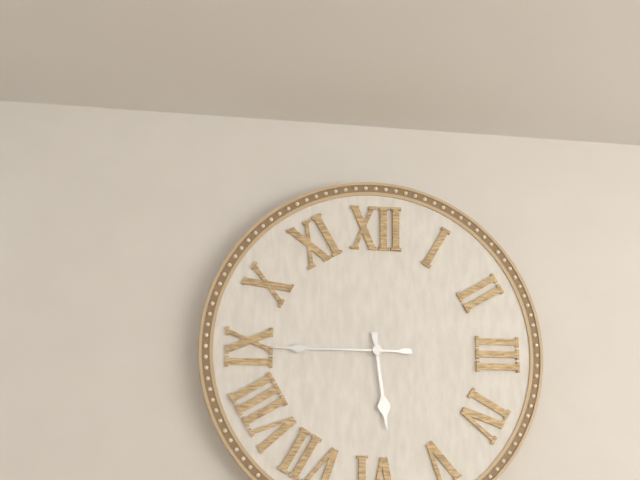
**5:45**
